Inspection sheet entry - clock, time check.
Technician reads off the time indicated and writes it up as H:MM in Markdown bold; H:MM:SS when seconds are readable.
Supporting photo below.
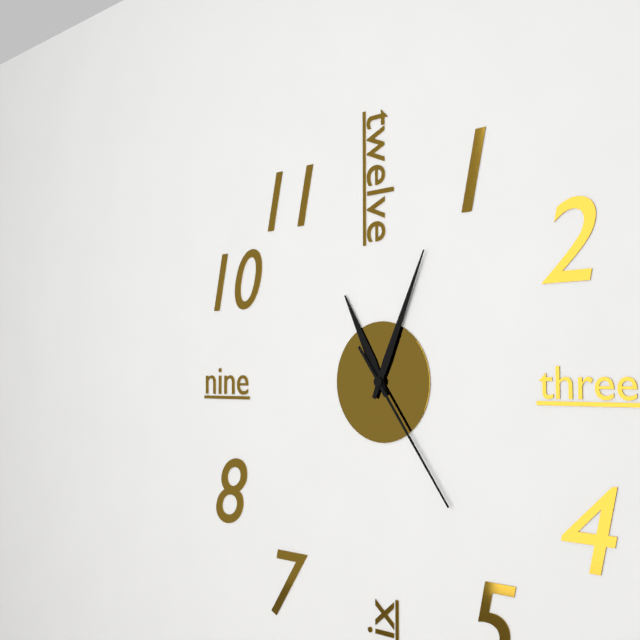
**11:04:24**
